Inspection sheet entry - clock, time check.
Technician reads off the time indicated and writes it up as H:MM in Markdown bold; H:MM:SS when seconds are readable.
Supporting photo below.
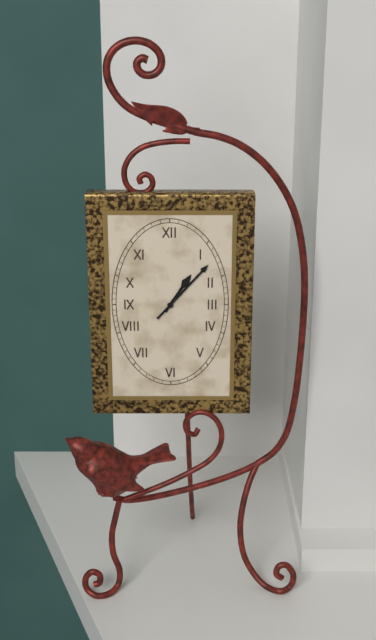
**1:07**
